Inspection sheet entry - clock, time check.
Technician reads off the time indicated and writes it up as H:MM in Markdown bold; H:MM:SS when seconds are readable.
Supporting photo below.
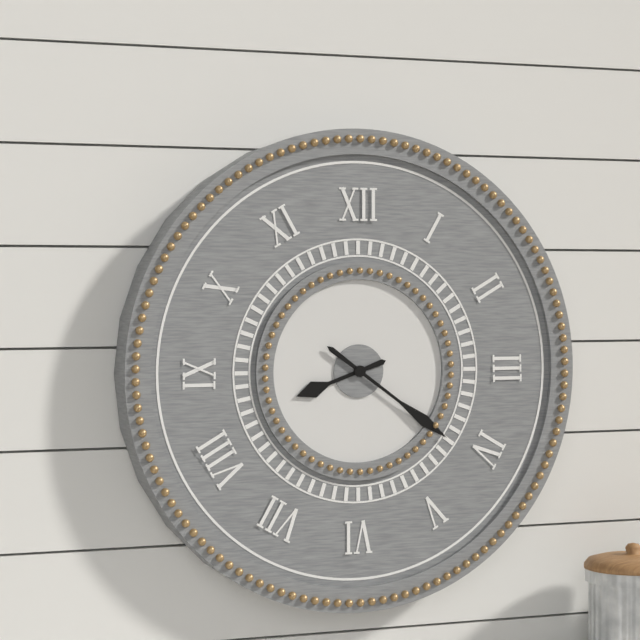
**8:21**
